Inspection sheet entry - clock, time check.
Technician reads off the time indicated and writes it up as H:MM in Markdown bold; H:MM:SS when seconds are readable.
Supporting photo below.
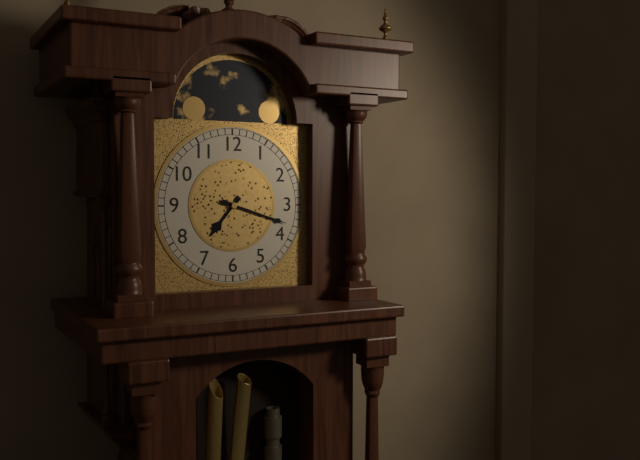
**7:18**
